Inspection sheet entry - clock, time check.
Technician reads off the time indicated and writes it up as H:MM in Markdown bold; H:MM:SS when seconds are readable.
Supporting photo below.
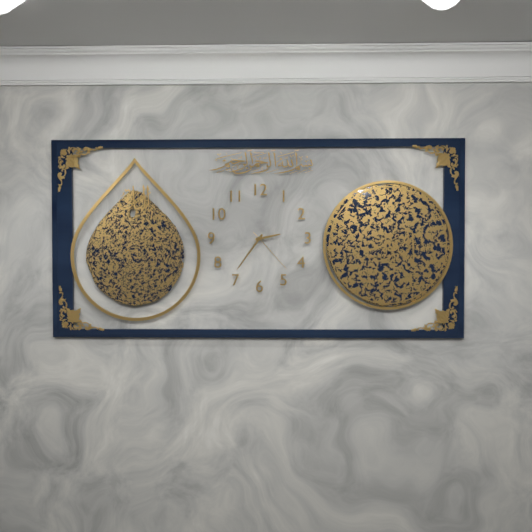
**2:36:23**
